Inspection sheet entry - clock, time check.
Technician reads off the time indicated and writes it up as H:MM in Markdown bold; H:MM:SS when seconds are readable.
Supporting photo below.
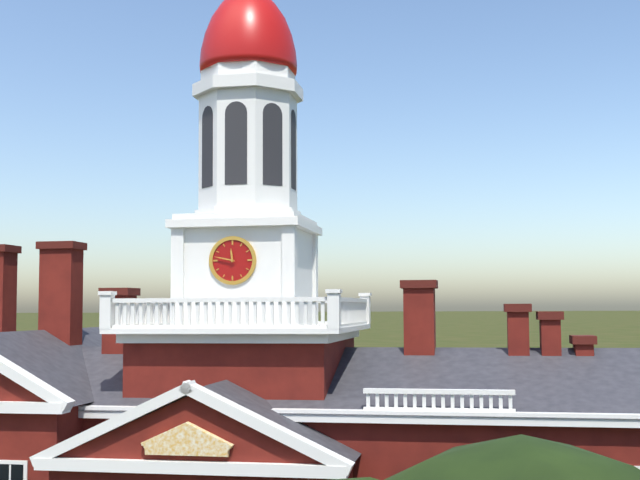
**11:47**
